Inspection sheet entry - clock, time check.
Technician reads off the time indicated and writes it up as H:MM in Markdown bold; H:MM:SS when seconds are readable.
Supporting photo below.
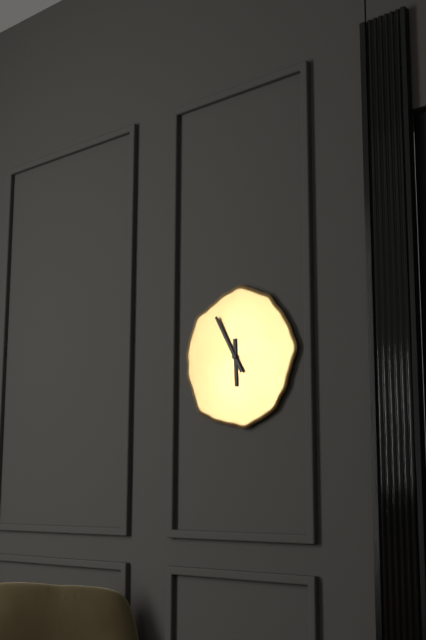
**5:55**
